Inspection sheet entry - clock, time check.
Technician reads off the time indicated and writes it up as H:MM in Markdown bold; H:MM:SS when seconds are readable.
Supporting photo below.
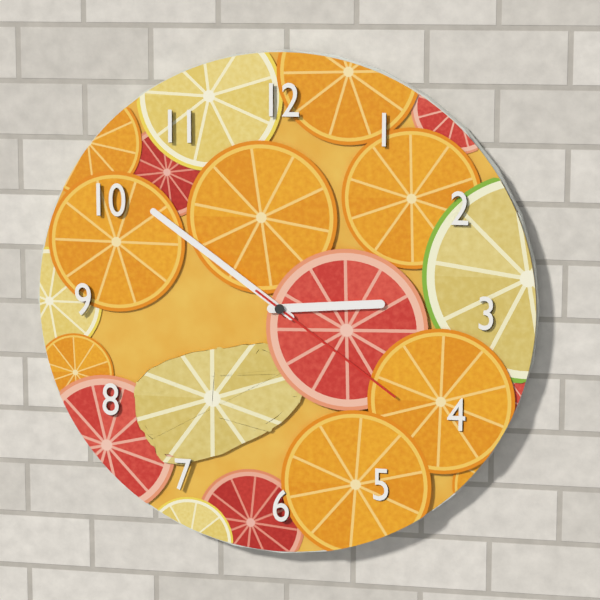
**2:51:21**
